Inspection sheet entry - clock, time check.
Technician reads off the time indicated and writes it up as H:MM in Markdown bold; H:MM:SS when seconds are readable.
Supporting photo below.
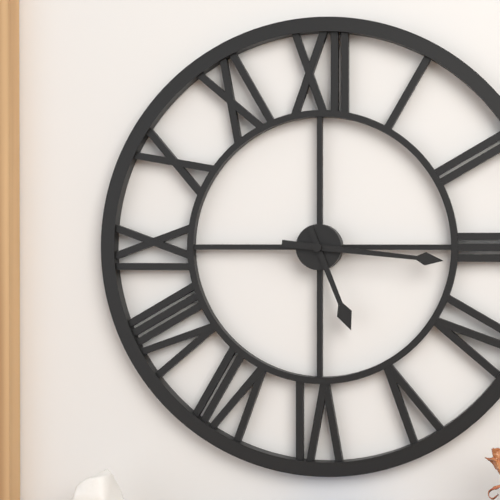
**5:16**
